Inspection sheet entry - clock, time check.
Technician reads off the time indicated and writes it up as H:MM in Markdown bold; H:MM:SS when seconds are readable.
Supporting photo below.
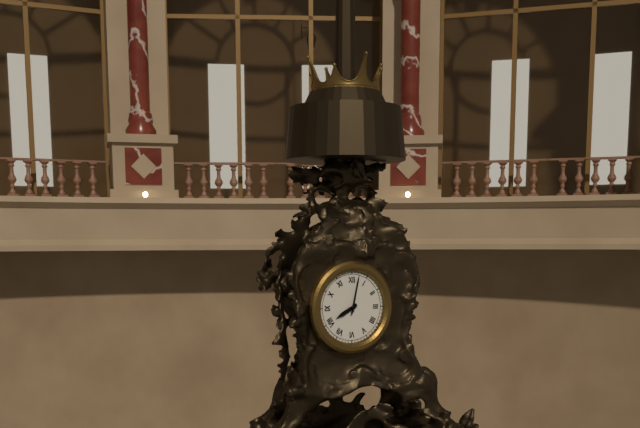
**8:02**
